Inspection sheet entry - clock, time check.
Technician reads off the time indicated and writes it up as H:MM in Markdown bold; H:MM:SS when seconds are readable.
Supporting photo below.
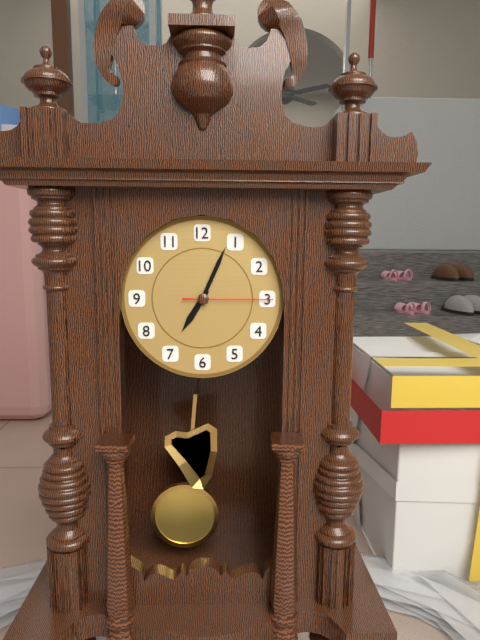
**7:04:15**
